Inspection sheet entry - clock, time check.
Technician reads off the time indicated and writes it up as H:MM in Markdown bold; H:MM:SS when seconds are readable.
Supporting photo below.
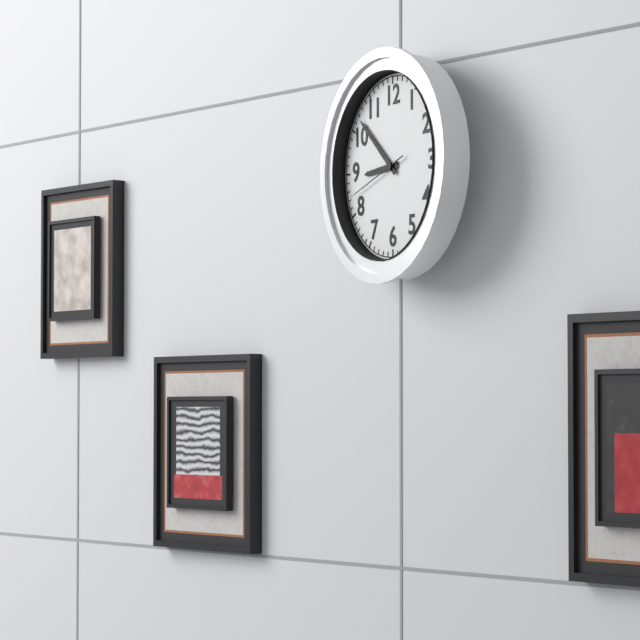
**8:52:42**
